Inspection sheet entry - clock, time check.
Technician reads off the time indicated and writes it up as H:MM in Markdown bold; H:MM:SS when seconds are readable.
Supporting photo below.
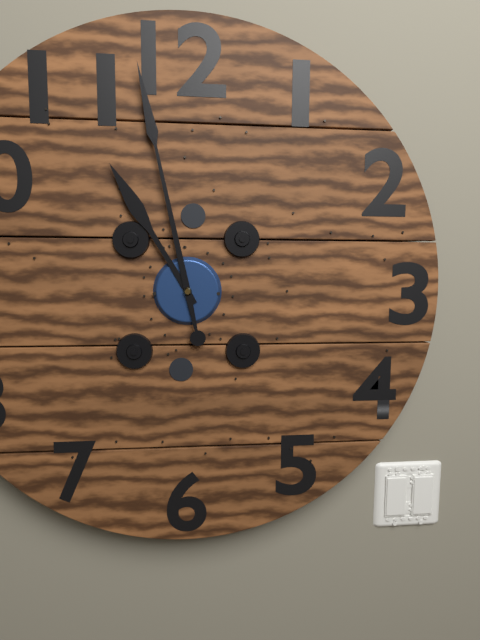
**10:58**
